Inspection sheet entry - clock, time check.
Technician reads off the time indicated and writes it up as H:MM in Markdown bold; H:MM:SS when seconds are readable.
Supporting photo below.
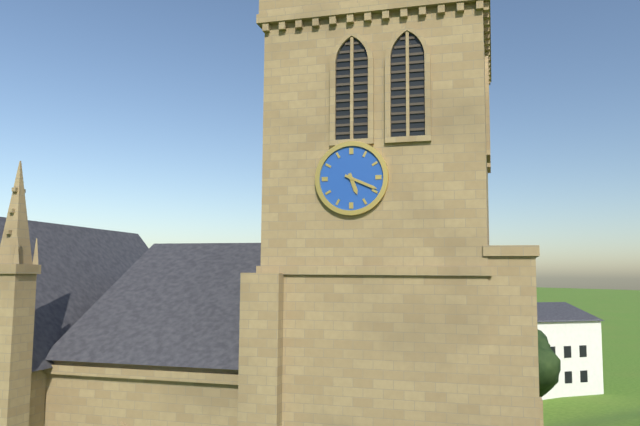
**5:19**
